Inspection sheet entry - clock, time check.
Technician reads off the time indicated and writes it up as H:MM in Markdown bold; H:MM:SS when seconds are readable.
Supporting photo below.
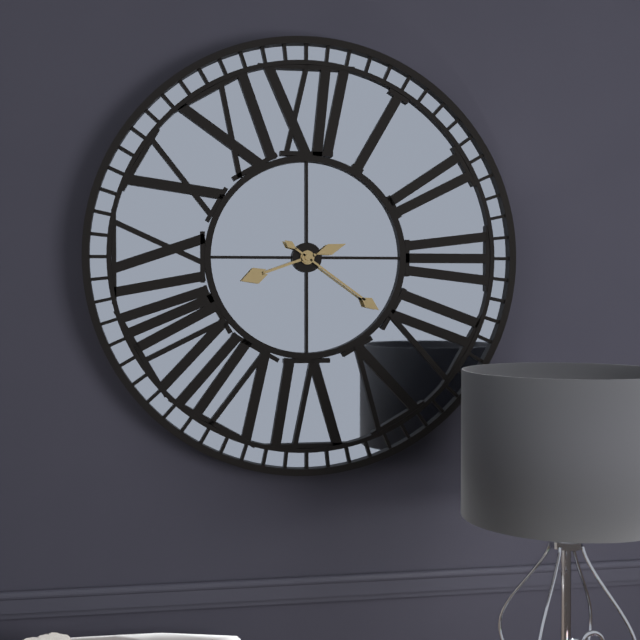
**8:21**
